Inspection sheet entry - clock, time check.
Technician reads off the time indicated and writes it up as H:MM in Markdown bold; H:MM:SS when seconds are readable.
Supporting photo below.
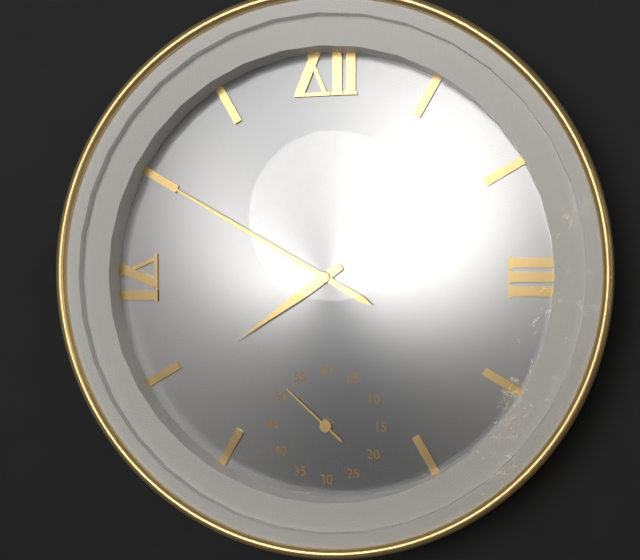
**7:50:52**
